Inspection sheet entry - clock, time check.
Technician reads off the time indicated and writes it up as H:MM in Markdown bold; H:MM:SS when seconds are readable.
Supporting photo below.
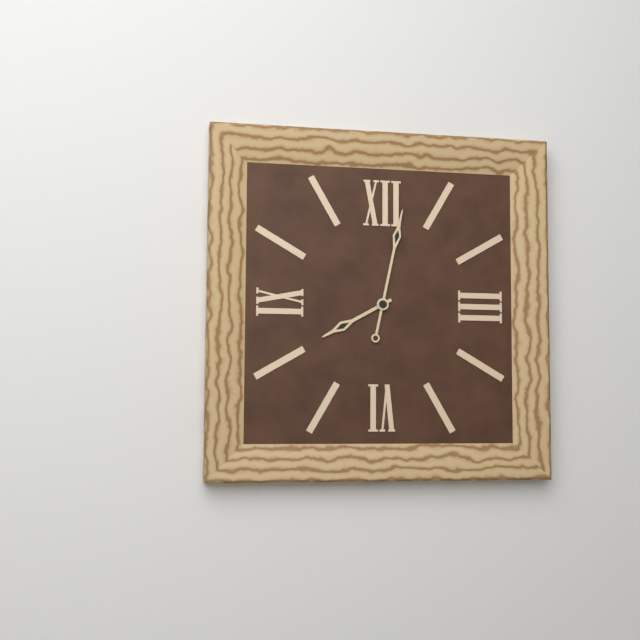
**8:02**
